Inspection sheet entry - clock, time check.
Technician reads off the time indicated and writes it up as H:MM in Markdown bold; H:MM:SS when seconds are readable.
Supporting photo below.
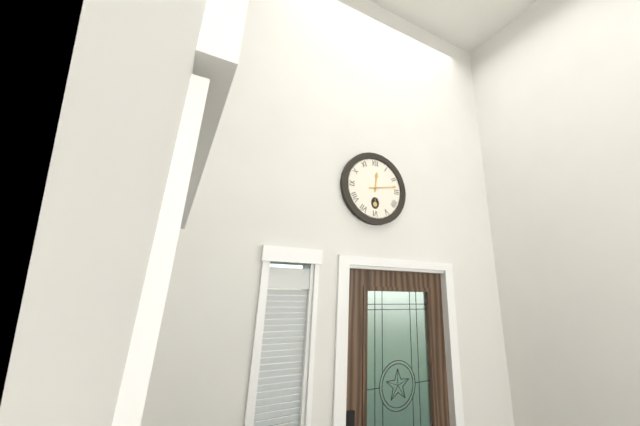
**12:13**
